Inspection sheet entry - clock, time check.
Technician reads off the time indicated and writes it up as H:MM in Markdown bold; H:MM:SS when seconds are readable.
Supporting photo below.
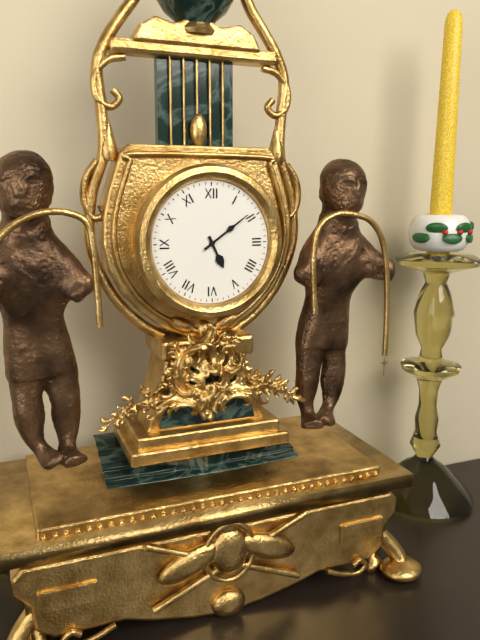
**5:09**
